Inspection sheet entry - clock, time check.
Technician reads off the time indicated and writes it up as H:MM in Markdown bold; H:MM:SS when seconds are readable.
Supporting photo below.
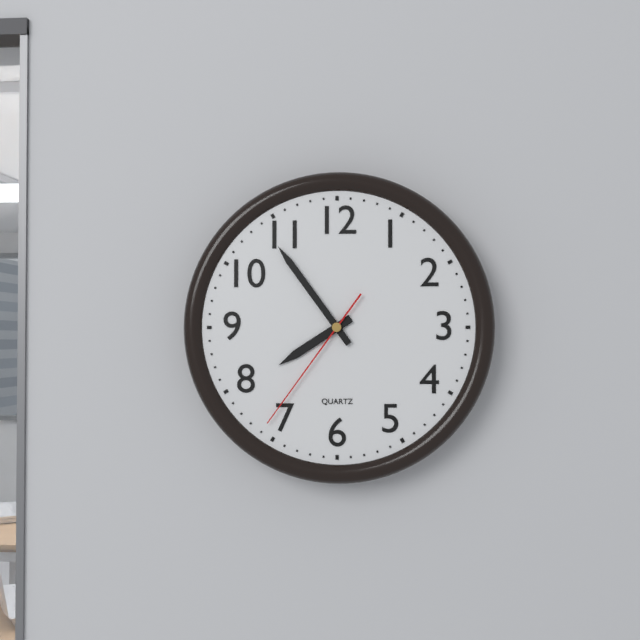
**7:54:36**
